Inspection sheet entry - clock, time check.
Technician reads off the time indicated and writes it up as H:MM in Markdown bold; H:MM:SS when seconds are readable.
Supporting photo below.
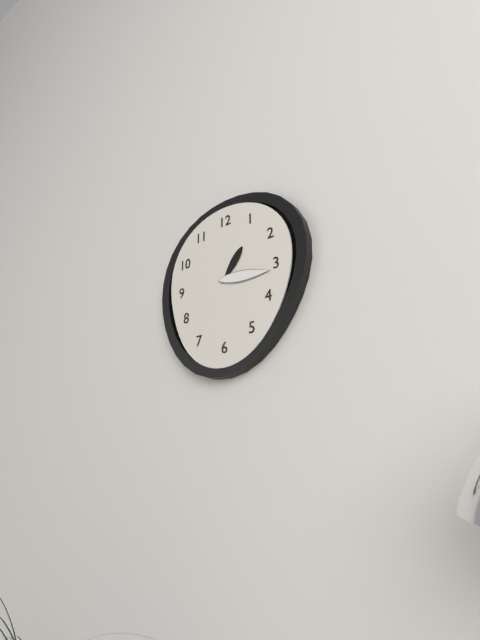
**1:16**
